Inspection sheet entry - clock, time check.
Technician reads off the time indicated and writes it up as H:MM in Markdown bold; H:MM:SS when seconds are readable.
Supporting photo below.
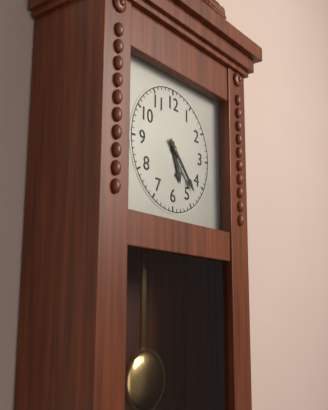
**5:23**
